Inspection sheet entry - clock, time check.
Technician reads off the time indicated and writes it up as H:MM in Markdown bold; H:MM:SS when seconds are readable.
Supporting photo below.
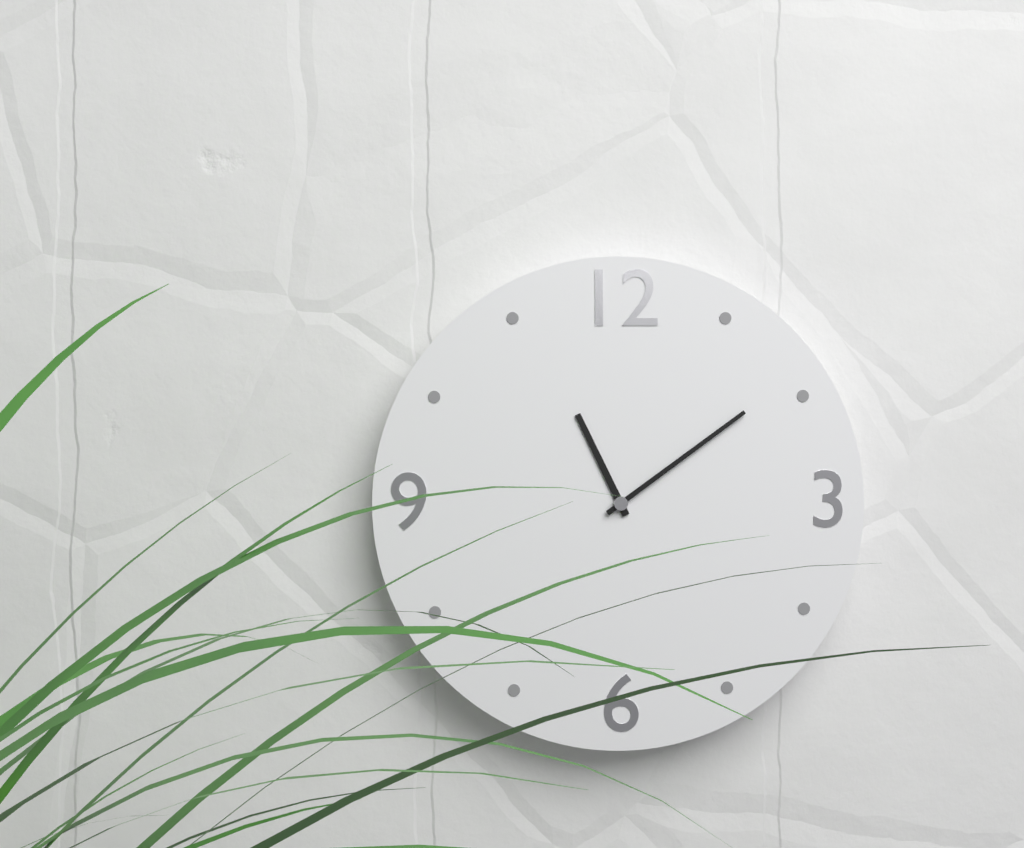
**11:09**
